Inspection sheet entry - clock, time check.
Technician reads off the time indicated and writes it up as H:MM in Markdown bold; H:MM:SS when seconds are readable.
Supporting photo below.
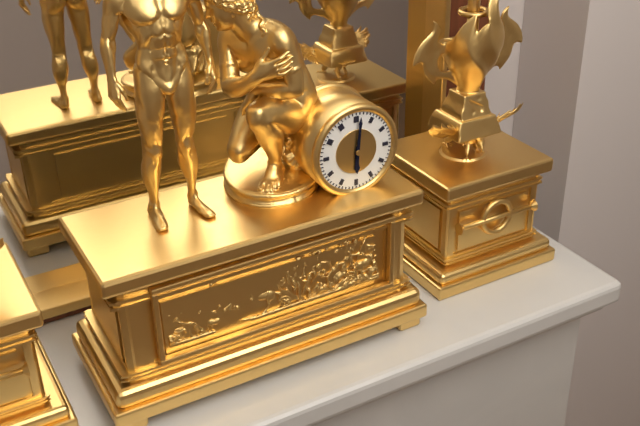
**6:01**
